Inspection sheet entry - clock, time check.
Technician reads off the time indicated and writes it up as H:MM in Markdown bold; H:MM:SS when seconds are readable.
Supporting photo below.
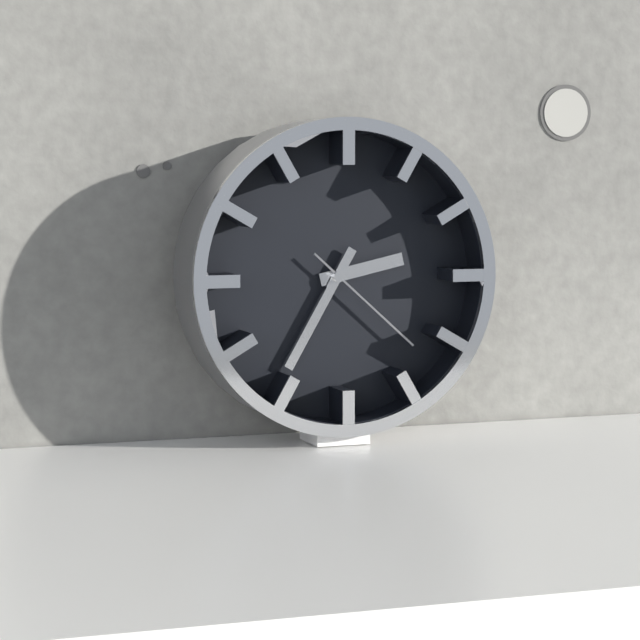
**2:35:22**
